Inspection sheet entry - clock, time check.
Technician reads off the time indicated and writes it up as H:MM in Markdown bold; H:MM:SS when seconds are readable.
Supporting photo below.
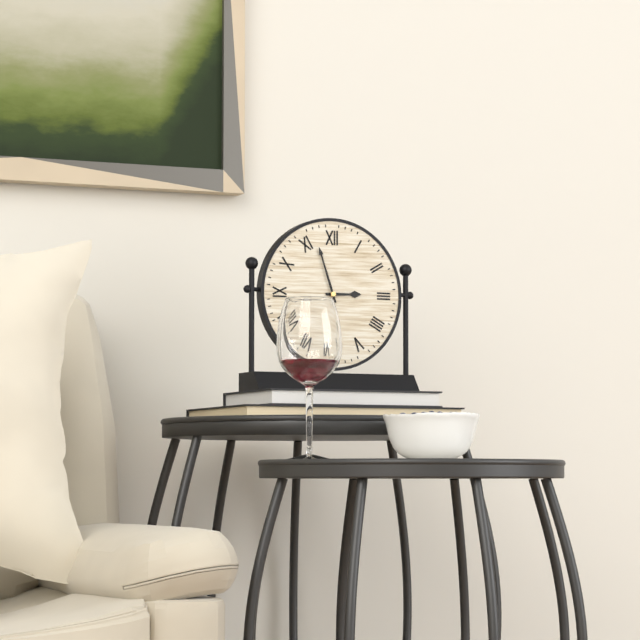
**2:57**
